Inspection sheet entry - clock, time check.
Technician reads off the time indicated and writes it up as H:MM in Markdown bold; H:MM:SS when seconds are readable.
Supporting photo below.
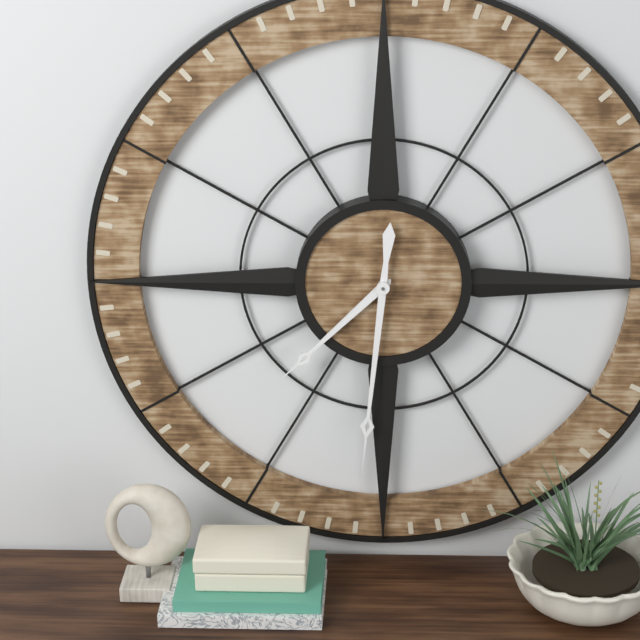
**7:31**
